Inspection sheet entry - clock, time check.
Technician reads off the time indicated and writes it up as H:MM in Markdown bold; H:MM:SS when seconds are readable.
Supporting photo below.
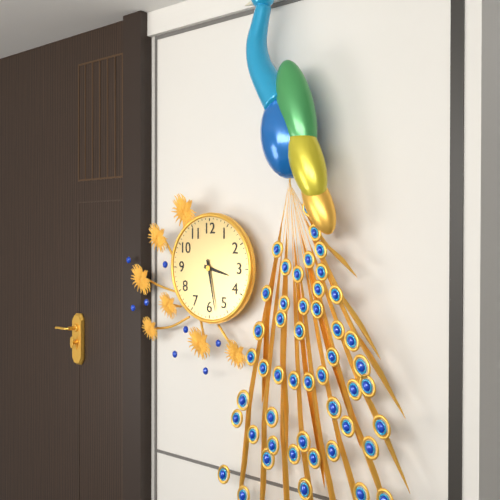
**3:28**
